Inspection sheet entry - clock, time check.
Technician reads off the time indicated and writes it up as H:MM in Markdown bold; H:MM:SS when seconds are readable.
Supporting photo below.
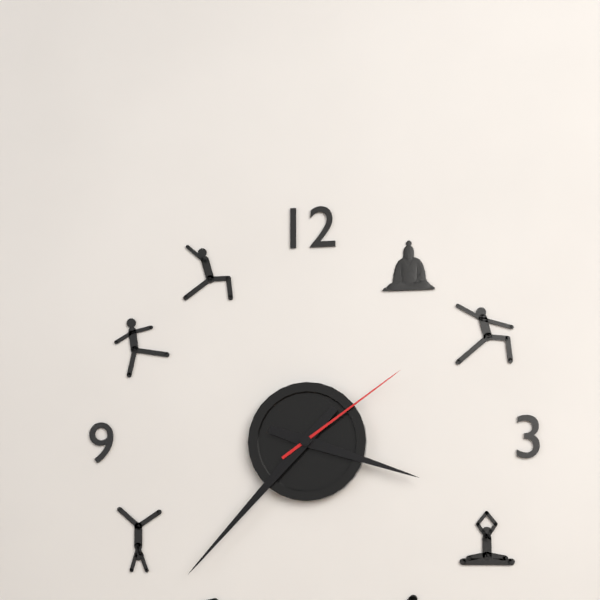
**3:37:09**
